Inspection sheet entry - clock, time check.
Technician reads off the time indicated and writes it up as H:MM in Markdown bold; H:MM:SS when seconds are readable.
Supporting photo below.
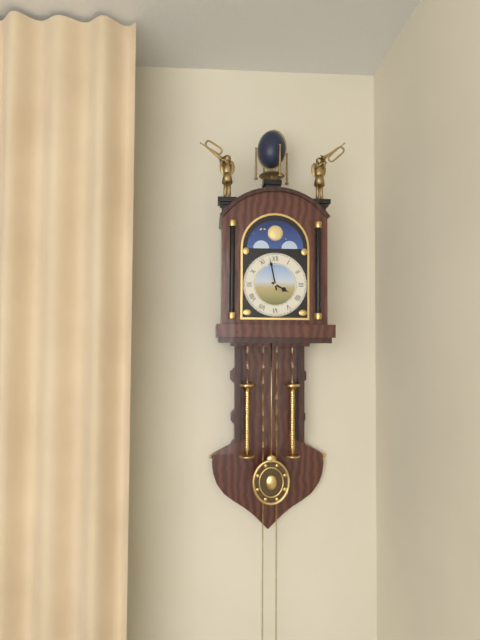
**3:58**
